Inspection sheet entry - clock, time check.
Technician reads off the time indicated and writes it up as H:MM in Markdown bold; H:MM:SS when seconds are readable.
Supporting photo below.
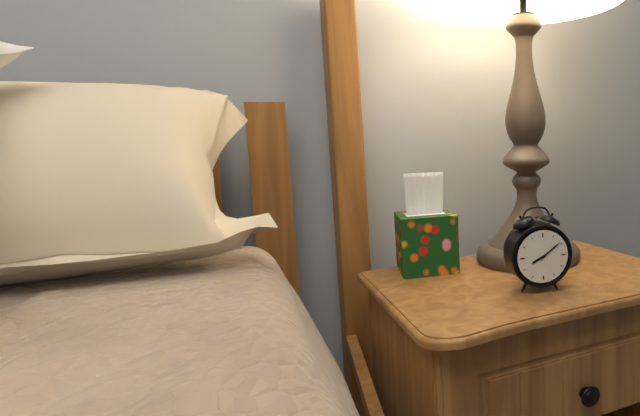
**8:09**
